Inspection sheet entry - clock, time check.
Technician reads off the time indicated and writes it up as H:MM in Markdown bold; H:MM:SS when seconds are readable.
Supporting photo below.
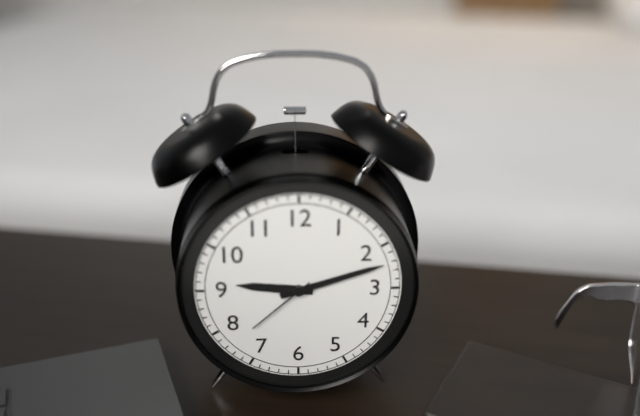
**9:12:38**
